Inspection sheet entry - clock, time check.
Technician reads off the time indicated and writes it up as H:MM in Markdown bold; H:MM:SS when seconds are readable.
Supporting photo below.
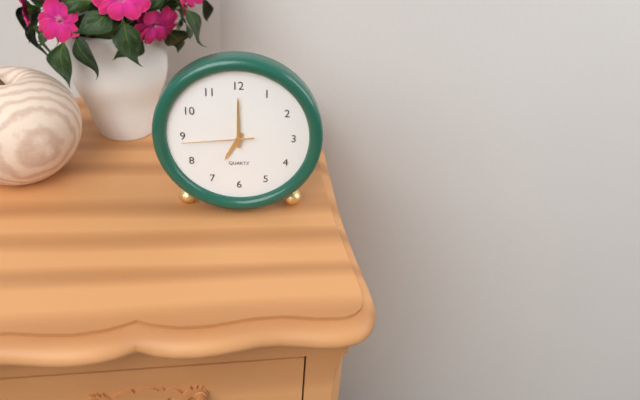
**7:00:44**
